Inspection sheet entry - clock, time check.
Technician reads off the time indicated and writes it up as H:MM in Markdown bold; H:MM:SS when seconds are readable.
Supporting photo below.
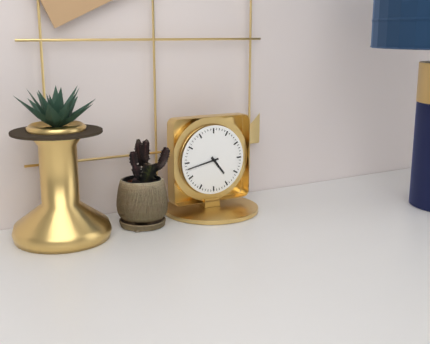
**4:43**
